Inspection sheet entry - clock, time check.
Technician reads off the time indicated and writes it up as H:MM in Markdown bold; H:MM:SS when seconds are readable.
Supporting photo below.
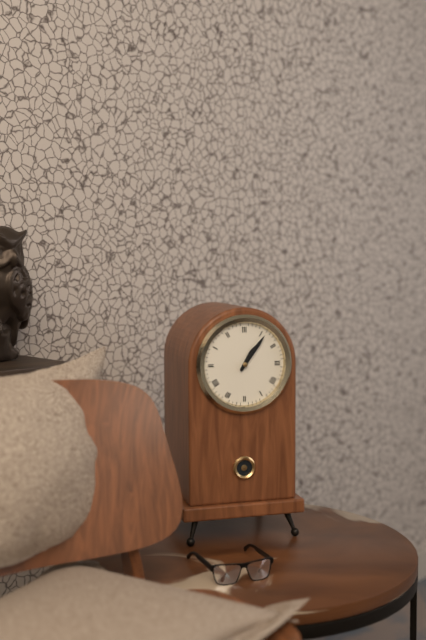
**1:06**
